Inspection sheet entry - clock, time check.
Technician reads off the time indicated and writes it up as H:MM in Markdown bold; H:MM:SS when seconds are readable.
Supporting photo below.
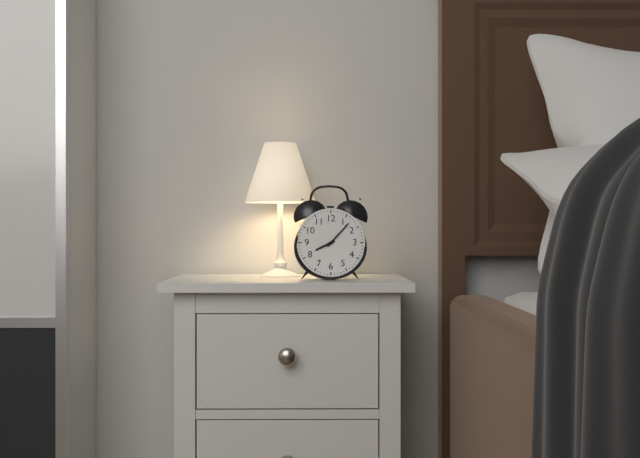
**8:07**
